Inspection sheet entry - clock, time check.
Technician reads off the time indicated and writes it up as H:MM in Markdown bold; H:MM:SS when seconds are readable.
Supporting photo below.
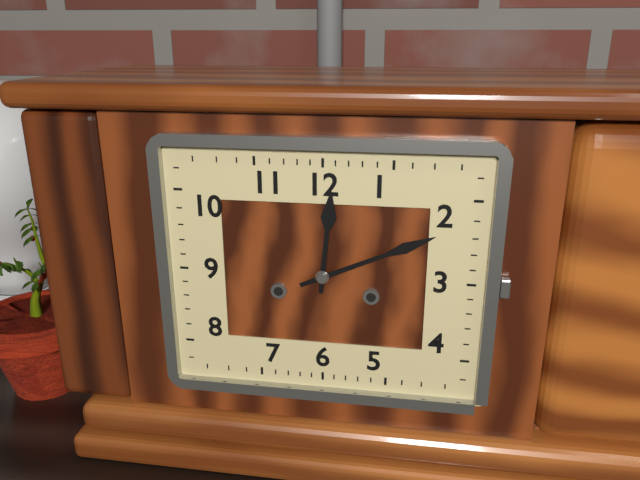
**12:11**
